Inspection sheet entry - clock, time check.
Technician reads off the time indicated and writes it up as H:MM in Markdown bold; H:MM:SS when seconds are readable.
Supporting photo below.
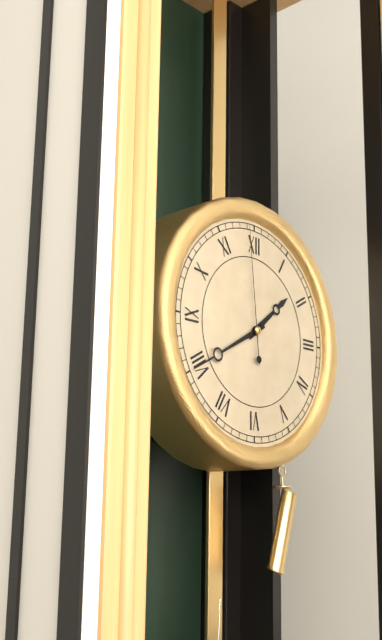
**1:40:59**
